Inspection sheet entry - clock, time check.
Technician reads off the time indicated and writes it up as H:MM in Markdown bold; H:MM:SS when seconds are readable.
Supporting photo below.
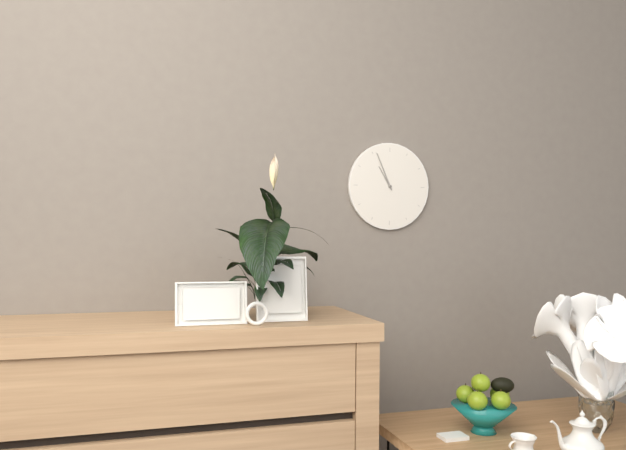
**10:56**
